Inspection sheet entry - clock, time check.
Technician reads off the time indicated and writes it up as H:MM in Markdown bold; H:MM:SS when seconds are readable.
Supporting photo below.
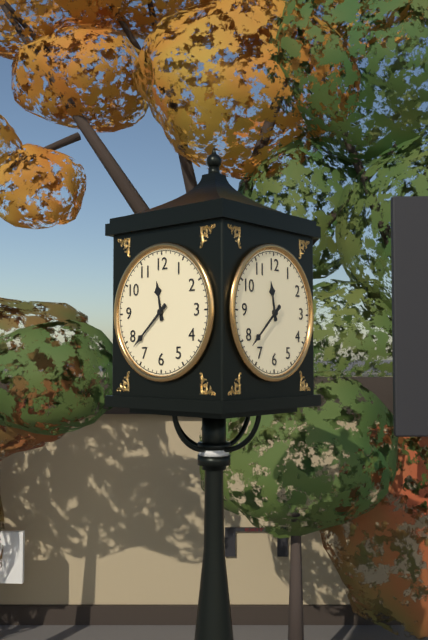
**11:38**
